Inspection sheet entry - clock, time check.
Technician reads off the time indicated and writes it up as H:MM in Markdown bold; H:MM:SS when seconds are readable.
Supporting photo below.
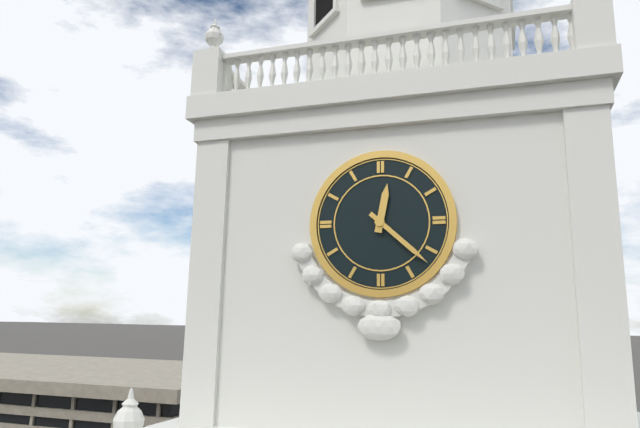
**12:22**
